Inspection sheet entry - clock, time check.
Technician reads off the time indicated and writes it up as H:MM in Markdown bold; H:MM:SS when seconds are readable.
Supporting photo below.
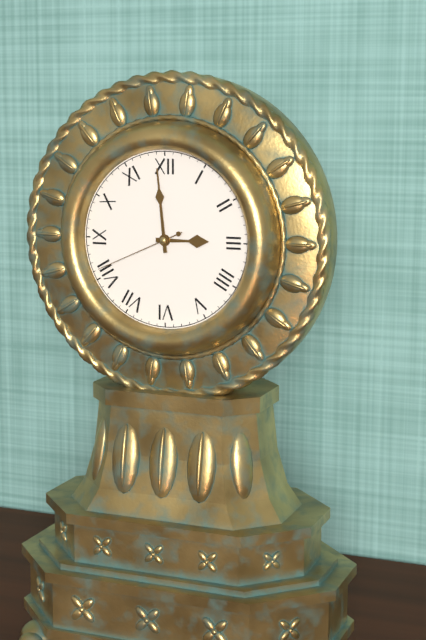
**2:59:41**
